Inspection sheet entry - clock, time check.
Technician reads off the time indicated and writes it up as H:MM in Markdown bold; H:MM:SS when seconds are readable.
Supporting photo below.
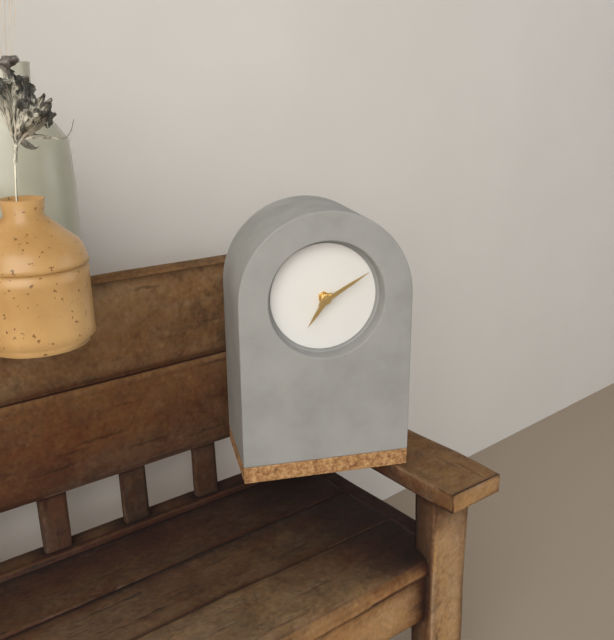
**7:10**
